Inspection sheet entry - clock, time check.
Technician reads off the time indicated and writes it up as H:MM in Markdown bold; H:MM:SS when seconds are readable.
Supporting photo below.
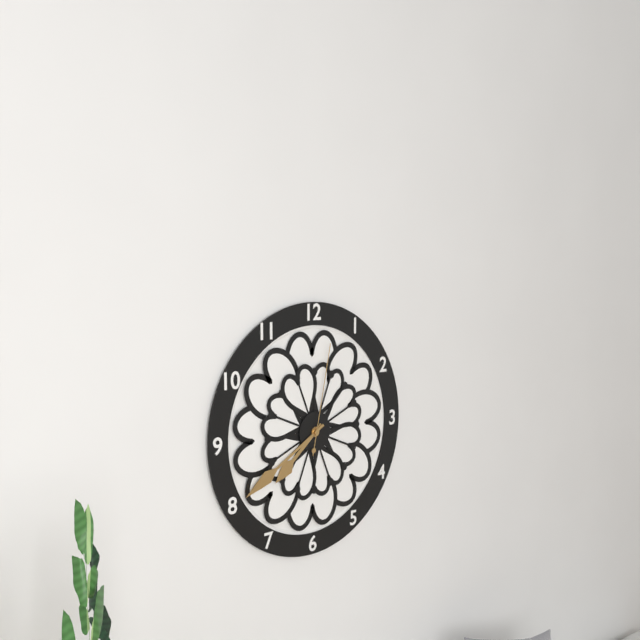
**7:40:02**
